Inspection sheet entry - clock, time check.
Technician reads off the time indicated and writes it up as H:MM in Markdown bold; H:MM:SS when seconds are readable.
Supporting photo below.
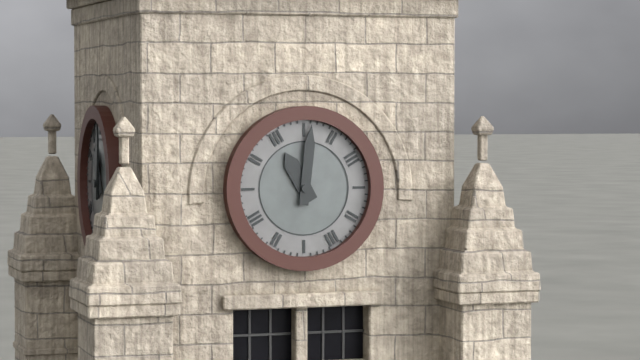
**11:01**
